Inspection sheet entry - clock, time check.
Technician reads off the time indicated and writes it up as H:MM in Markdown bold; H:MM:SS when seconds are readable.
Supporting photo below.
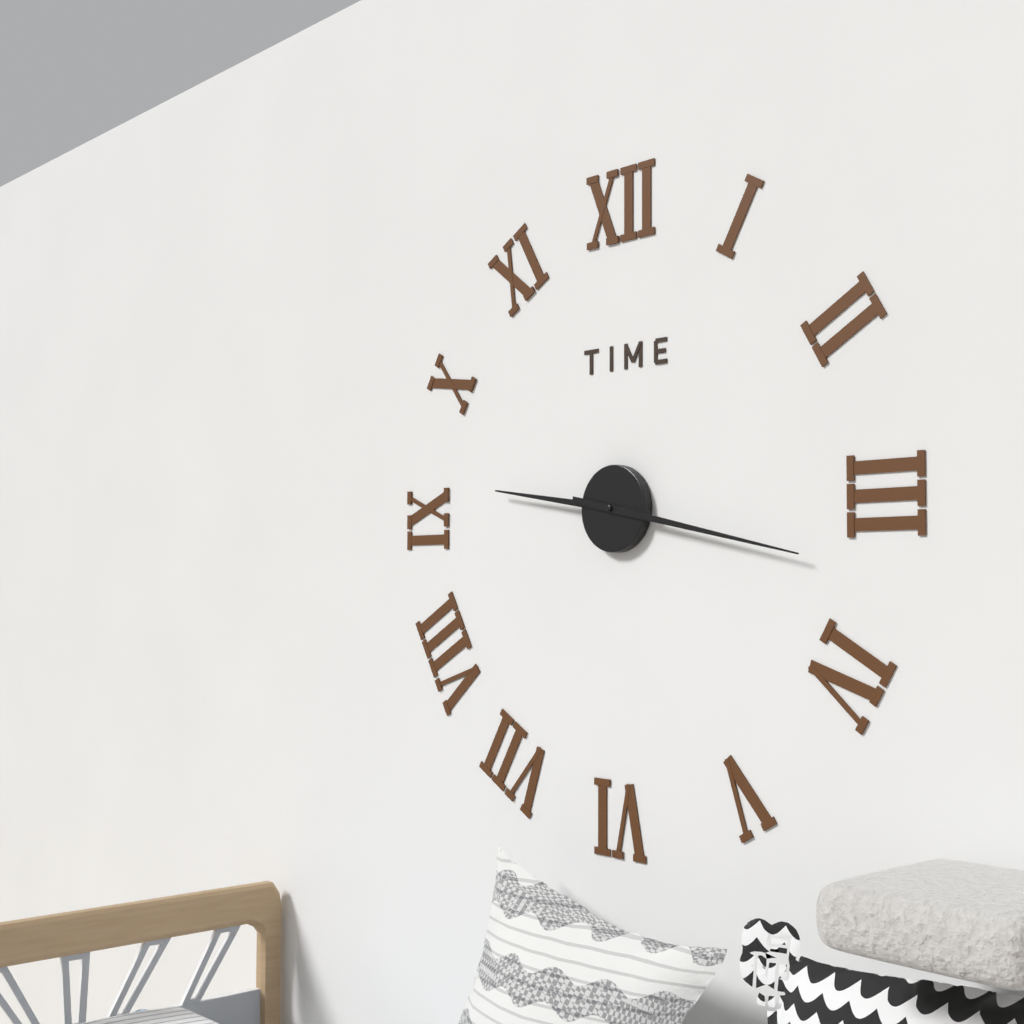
**9:17**
